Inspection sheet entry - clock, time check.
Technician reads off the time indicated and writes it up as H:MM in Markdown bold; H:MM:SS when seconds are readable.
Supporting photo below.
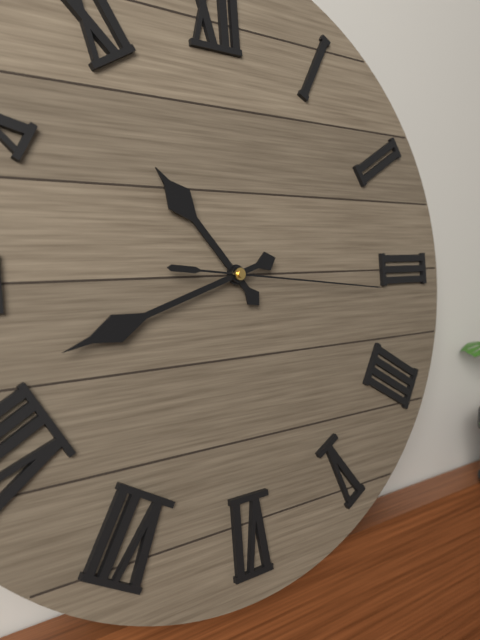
**10:42:16**
